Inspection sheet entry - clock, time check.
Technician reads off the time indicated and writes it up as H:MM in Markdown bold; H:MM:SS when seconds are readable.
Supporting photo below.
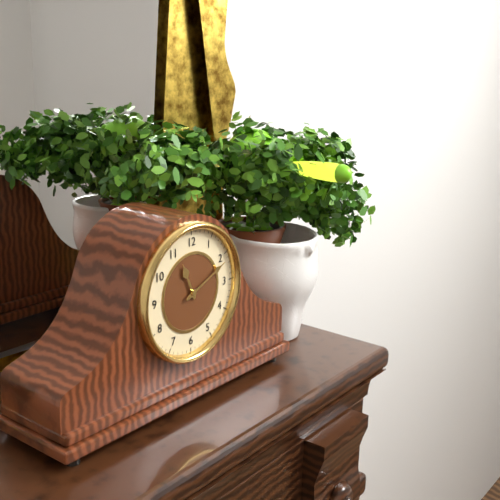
**11:11**
